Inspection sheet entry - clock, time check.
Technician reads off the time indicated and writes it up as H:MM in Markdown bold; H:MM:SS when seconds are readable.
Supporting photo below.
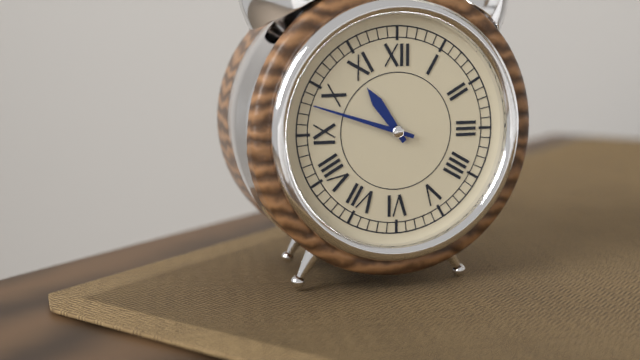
**10:48**
